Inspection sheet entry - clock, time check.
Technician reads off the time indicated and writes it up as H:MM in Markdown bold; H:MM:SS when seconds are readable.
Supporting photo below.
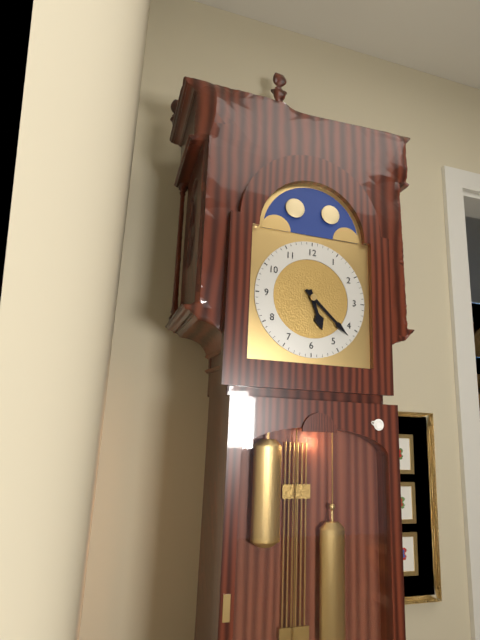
**5:22**
